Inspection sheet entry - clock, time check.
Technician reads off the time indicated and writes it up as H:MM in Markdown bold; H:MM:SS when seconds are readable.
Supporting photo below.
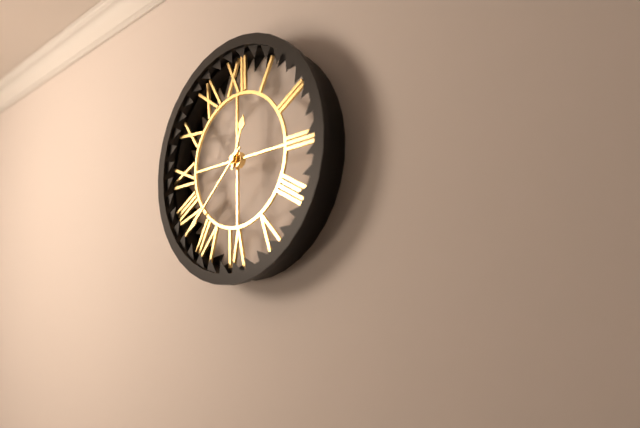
**12:38**
